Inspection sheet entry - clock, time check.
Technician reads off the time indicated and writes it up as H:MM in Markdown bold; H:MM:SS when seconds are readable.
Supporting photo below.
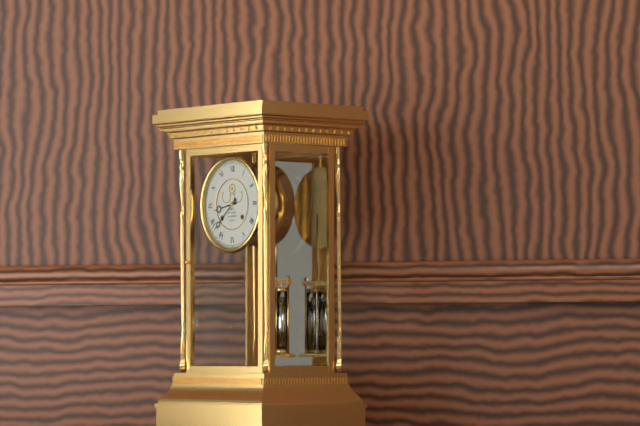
**8:38**
